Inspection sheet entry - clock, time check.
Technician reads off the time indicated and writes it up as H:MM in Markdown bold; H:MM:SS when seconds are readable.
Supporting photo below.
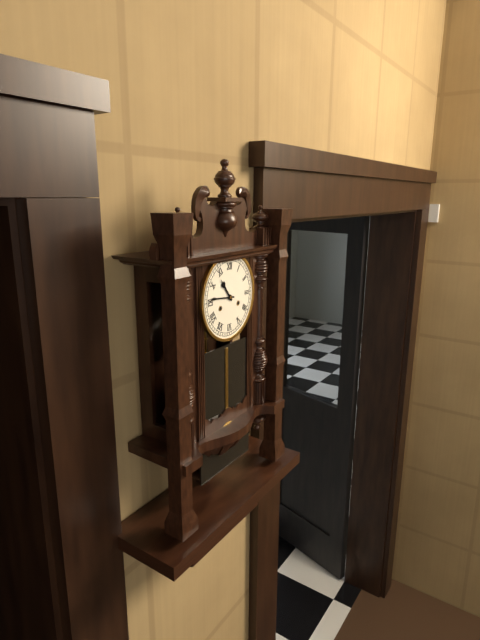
**10:46**
